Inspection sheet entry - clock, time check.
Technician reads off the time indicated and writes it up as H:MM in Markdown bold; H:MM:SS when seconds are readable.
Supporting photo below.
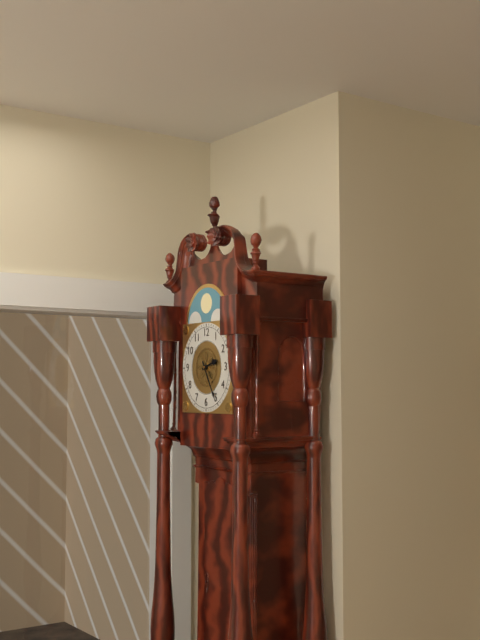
**2:25**
